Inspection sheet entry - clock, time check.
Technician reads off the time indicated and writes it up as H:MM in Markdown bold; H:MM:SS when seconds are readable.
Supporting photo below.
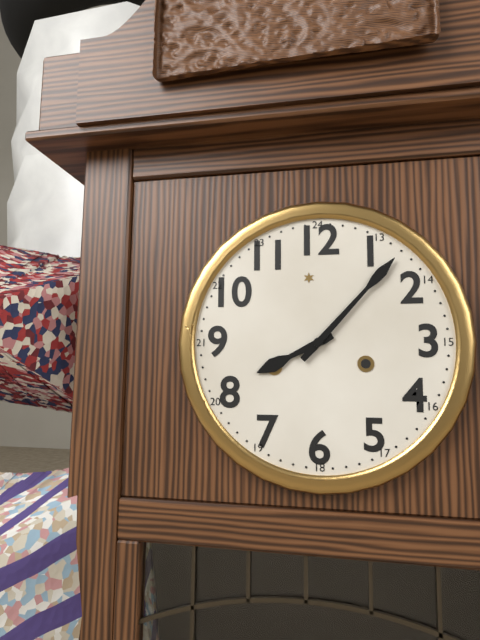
**8:07**
